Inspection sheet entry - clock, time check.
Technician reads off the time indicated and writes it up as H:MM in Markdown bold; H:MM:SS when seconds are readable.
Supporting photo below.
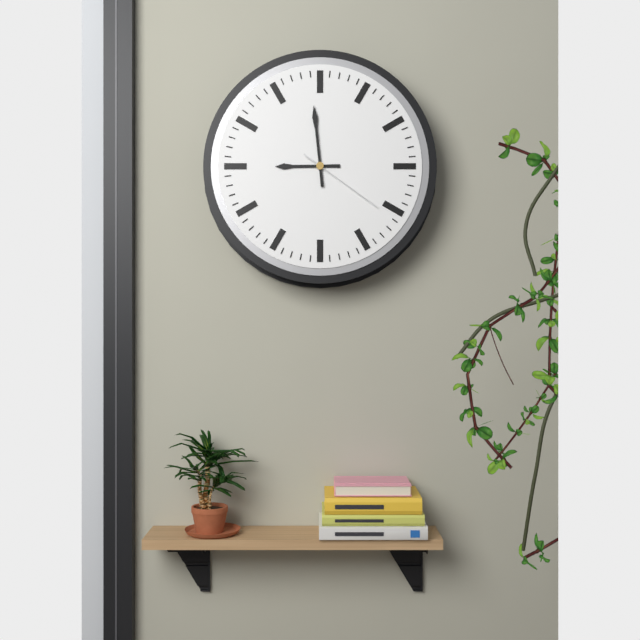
**8:59:21**
